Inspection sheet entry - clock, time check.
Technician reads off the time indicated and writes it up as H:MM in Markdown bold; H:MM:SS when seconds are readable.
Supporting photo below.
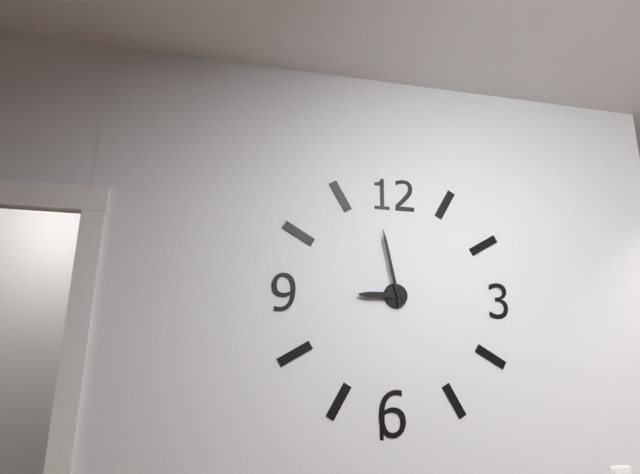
**8:58**
